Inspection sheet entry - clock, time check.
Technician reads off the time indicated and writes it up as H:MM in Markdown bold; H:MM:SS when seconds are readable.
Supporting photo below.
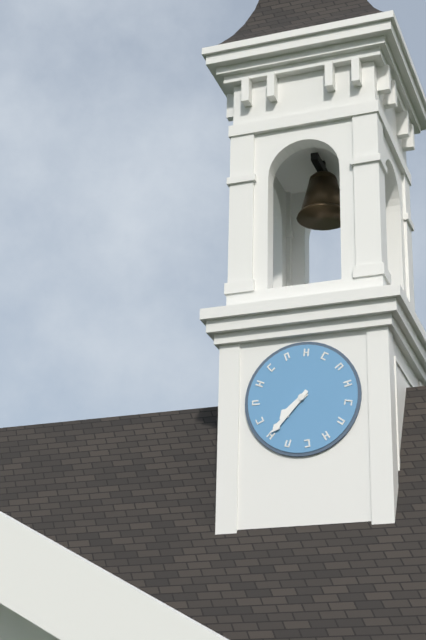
**7:37**
